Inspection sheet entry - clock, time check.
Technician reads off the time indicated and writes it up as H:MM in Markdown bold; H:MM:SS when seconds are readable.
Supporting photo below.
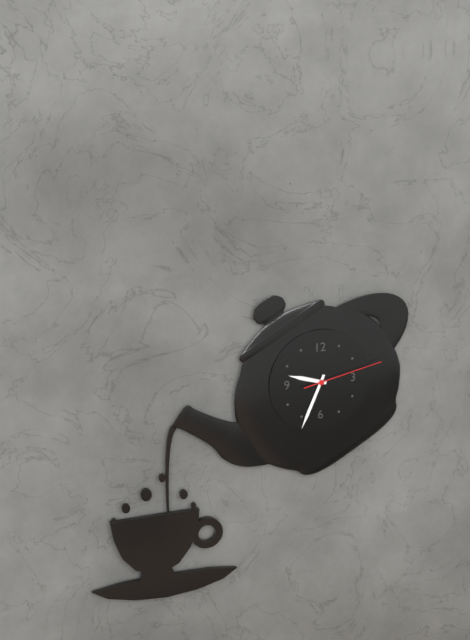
**9:34:13**
